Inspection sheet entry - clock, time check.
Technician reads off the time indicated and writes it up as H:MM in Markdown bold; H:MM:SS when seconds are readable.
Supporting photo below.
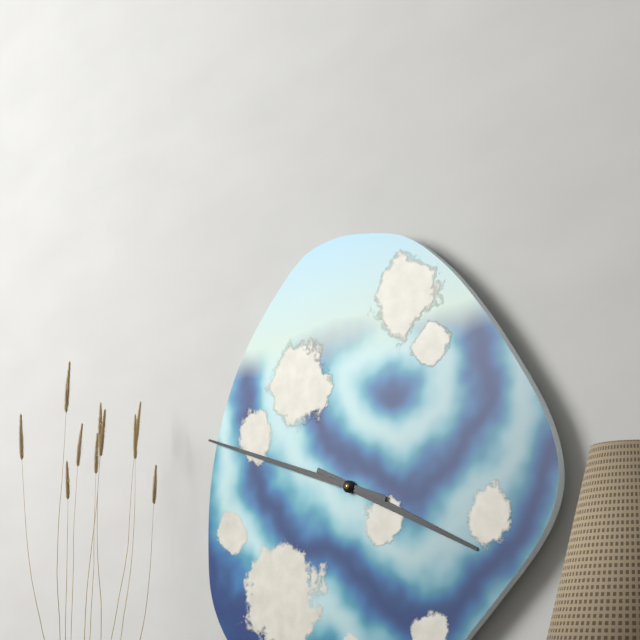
**3:48**
